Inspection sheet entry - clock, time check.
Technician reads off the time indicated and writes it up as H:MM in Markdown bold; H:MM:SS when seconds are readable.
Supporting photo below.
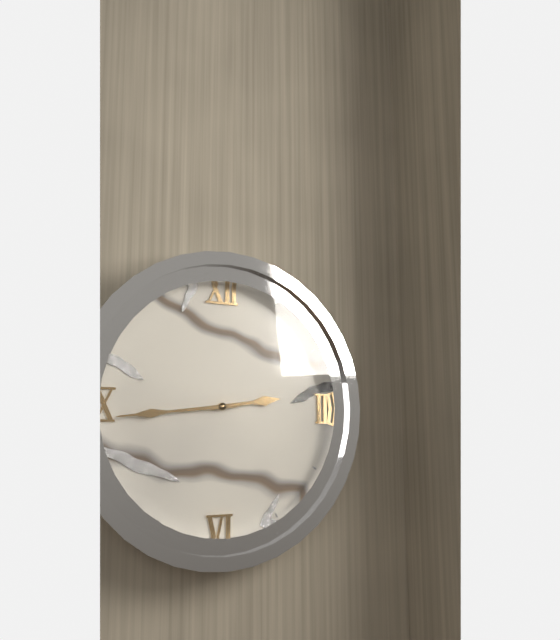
**2:44**
